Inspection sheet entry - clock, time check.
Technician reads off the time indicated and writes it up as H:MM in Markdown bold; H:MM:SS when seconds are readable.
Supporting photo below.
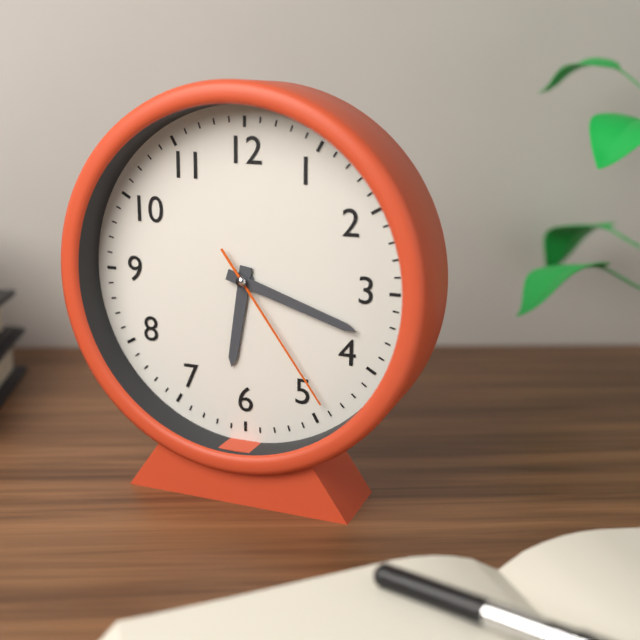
**6:18:24**
